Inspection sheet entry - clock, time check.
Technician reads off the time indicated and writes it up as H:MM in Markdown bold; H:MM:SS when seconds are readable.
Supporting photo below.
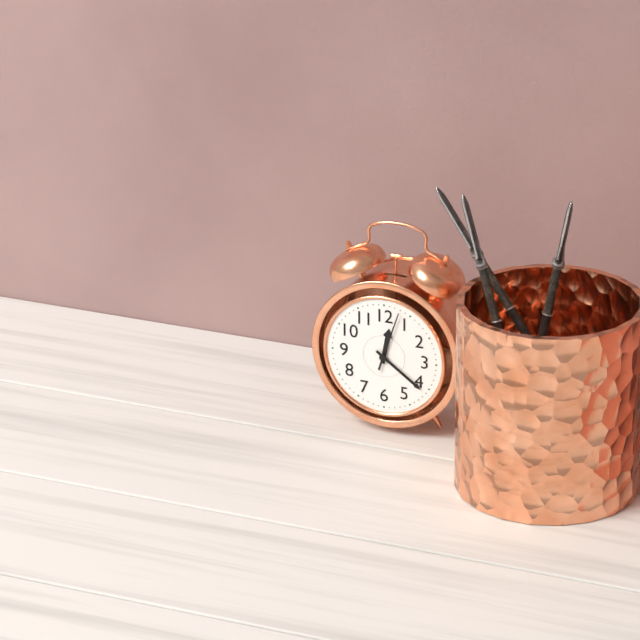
**12:21:03**
